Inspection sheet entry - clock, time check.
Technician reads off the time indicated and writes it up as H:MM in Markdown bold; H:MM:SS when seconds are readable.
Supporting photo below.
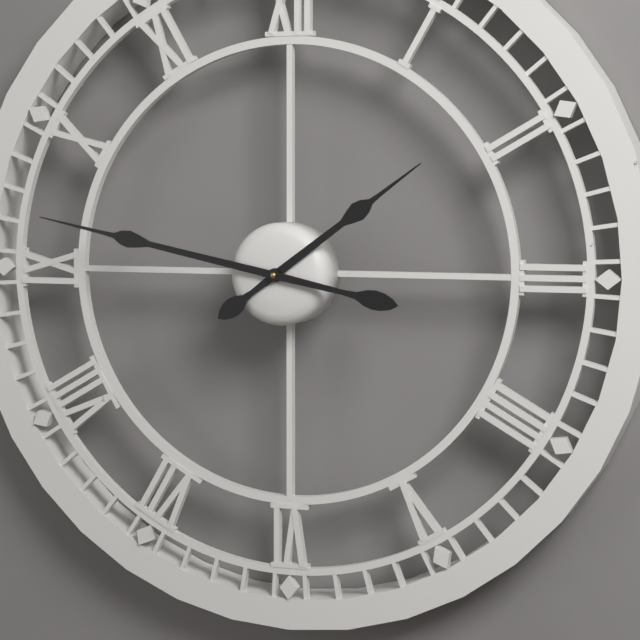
**1:47**
